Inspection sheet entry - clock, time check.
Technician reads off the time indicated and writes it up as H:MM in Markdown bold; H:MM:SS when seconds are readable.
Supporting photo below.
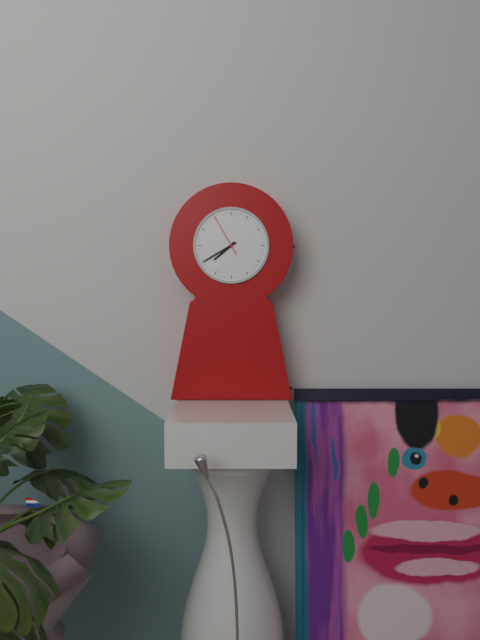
**7:40**
